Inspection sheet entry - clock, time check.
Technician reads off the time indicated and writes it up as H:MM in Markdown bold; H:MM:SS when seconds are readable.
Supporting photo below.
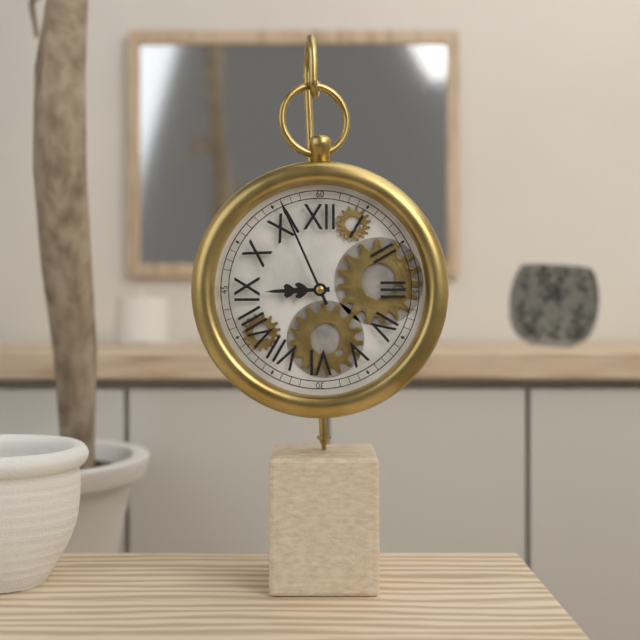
**8:56**
